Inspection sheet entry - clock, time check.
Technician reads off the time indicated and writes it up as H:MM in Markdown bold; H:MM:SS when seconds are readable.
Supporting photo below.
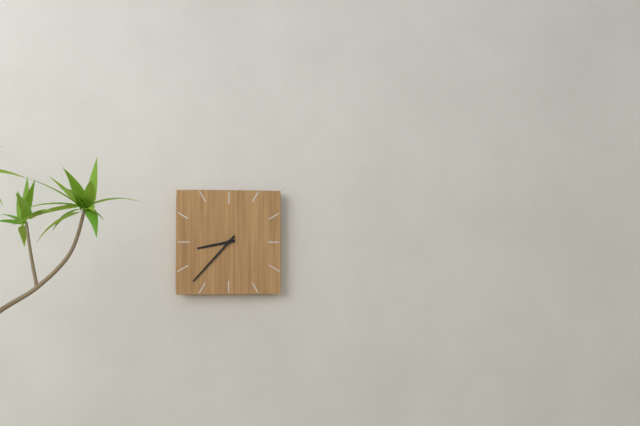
**8:37**
